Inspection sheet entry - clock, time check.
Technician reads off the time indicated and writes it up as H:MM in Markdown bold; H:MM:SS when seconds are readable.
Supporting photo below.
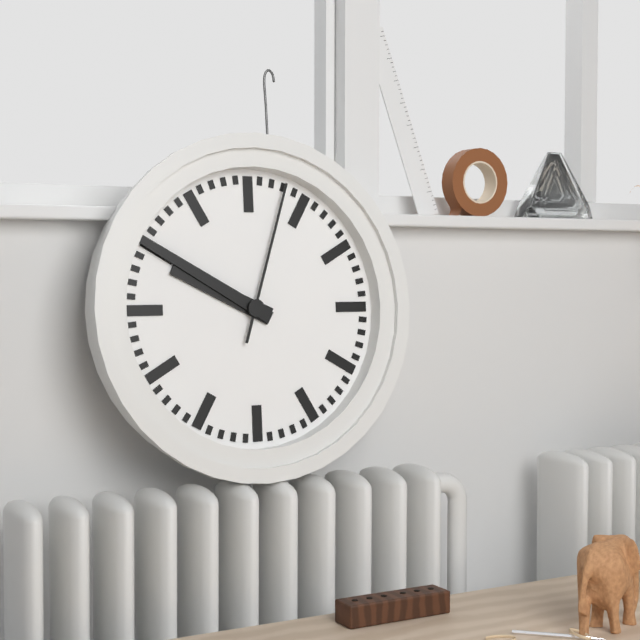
**9:50:03**
